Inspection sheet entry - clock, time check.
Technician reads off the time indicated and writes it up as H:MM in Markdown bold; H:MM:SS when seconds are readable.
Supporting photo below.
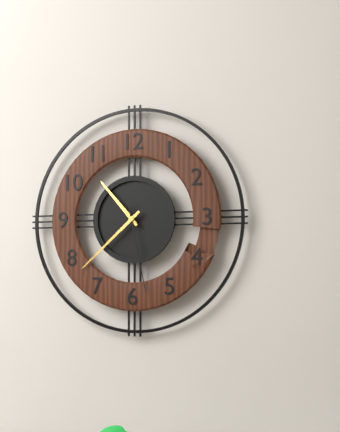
**10:38:28**
